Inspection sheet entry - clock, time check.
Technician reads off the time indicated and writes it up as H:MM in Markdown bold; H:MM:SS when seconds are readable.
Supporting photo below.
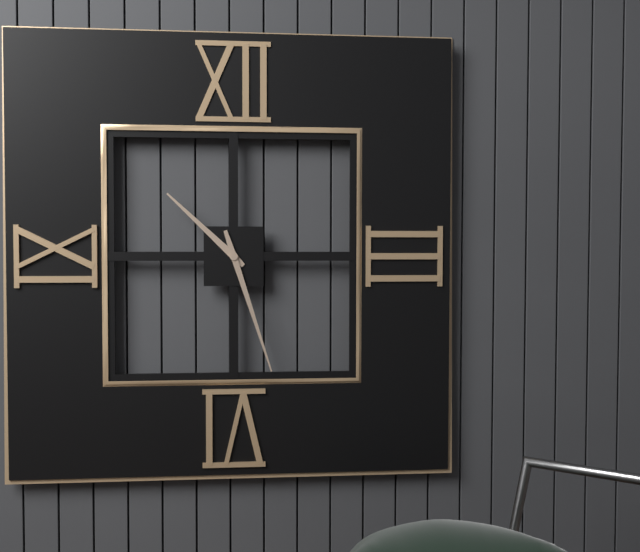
**10:27**
